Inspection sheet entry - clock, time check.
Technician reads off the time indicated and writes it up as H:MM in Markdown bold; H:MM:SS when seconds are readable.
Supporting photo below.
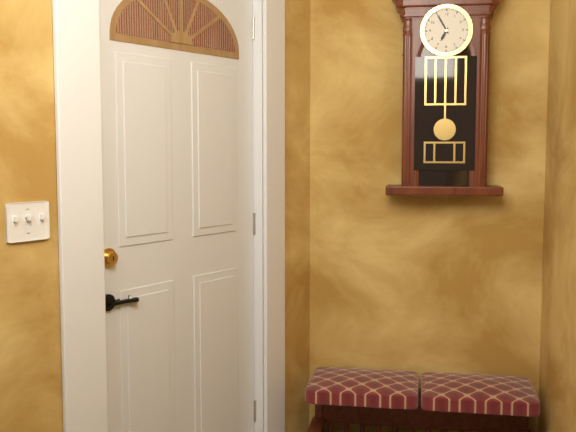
**6:55**
